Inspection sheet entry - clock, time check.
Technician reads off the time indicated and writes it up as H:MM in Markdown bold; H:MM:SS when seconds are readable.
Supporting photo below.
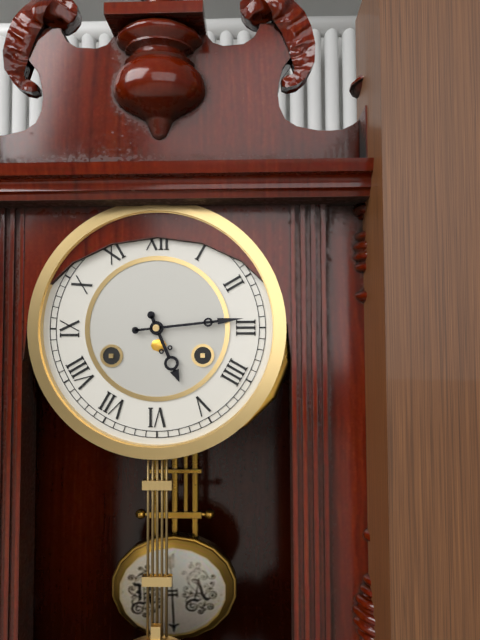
**5:14**
